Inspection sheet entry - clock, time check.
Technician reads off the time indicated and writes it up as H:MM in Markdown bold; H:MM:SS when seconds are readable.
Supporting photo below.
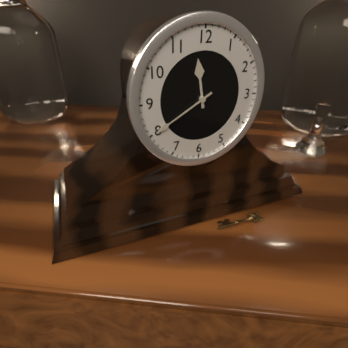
**11:40**
